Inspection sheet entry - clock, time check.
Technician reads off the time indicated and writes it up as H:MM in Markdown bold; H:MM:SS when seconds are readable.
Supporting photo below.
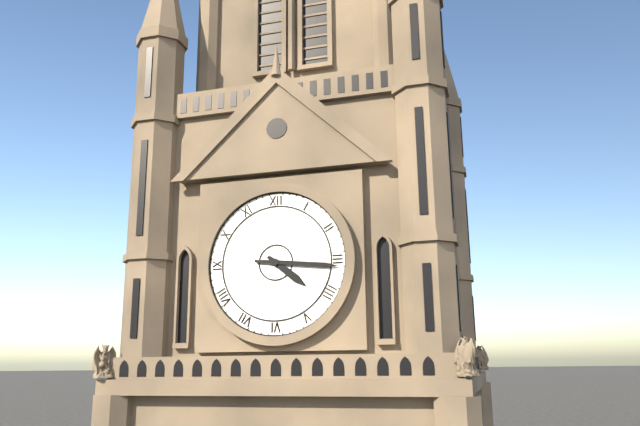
**4:16**
